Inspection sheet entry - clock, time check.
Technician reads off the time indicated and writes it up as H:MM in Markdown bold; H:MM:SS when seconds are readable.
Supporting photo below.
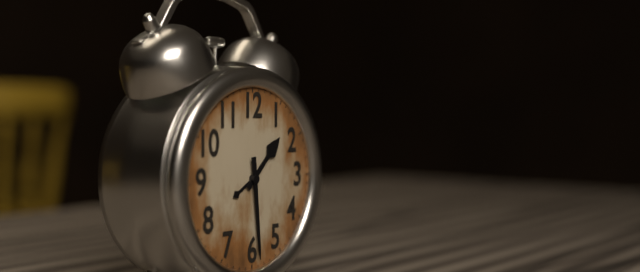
**1:29**
